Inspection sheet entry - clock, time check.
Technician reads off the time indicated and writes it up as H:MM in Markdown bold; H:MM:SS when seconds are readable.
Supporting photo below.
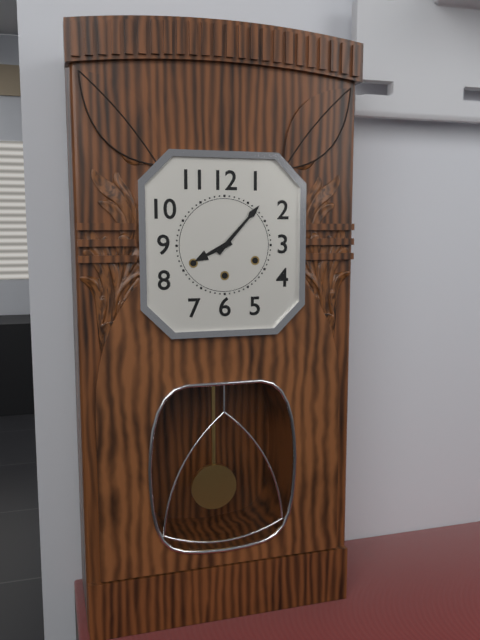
**8:07**
